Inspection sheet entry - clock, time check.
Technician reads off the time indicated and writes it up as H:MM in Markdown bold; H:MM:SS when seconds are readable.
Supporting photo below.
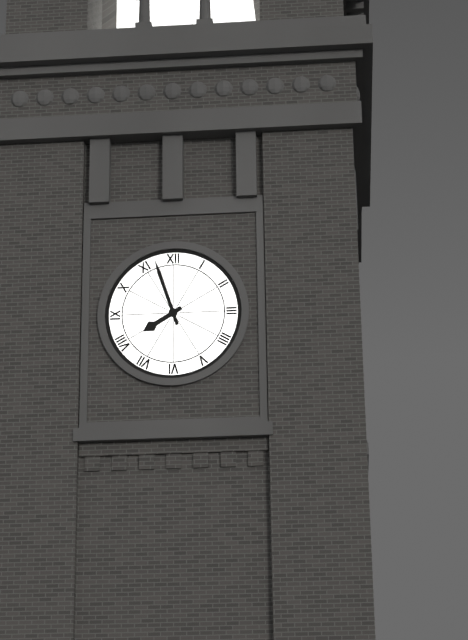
**7:57**
